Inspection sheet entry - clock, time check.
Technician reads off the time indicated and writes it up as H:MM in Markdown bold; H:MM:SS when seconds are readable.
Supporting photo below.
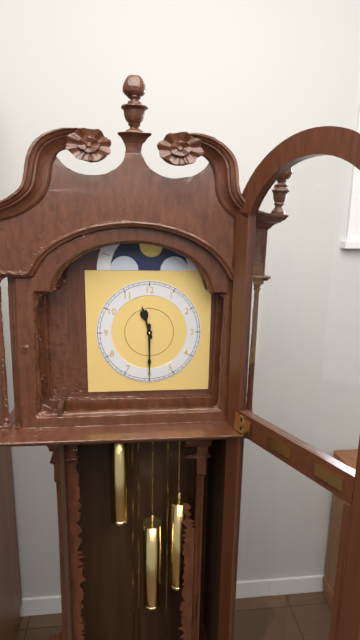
**11:30**
